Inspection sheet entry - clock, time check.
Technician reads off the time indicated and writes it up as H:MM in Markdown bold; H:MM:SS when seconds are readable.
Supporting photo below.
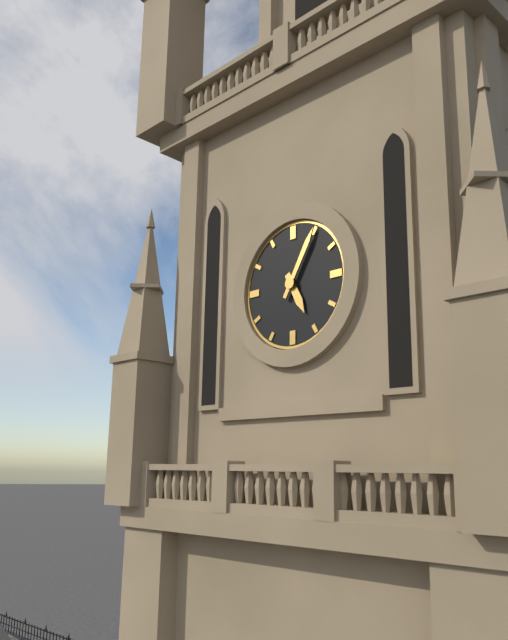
**5:05**
